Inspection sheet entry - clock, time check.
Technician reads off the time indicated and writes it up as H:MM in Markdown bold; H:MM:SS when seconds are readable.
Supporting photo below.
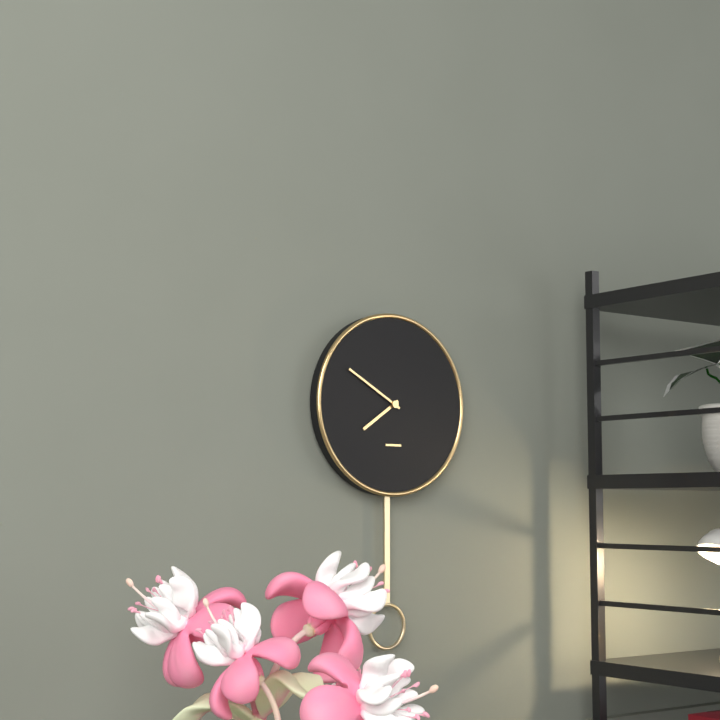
**7:50**
